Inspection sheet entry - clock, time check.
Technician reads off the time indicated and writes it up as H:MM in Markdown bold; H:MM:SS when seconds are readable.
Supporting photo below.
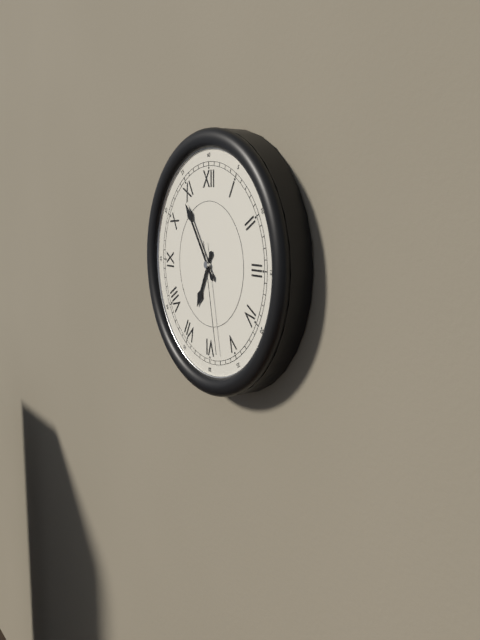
**6:54:28**
